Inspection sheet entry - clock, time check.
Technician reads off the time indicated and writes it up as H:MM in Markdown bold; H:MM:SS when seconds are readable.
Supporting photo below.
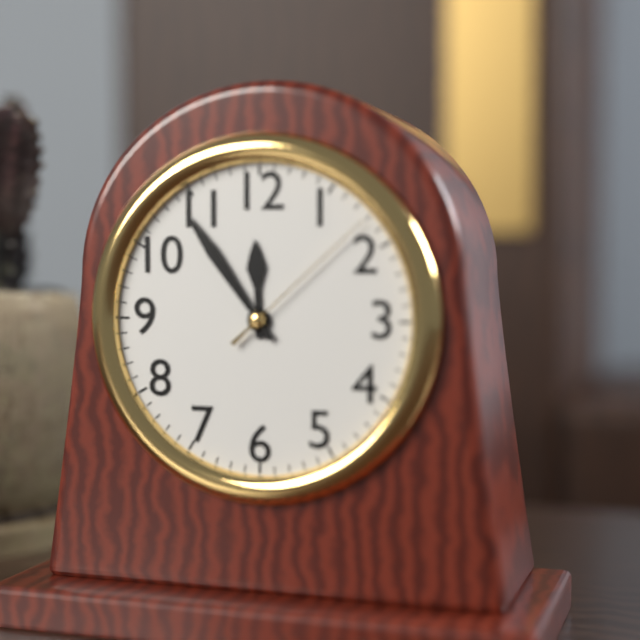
**11:54:08**
